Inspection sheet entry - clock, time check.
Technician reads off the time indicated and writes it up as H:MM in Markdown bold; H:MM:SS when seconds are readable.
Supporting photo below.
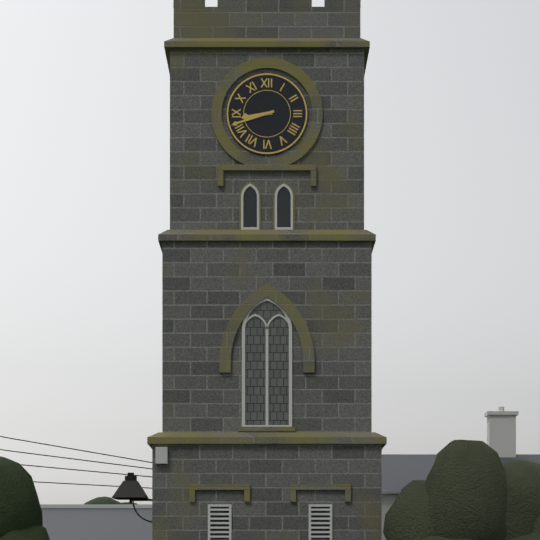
**8:42**
